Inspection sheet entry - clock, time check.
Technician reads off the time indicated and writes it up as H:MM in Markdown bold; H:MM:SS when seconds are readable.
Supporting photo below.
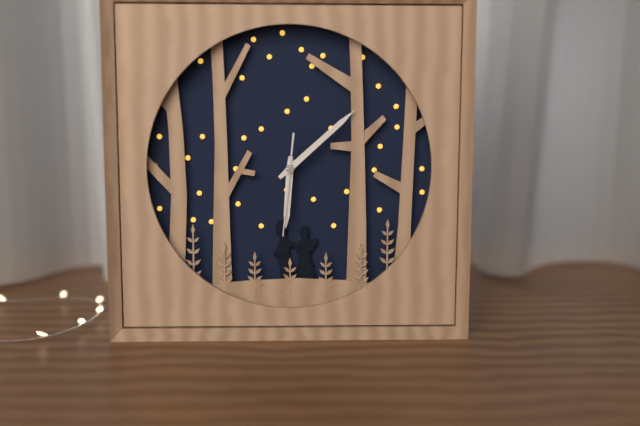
**6:08:31**
